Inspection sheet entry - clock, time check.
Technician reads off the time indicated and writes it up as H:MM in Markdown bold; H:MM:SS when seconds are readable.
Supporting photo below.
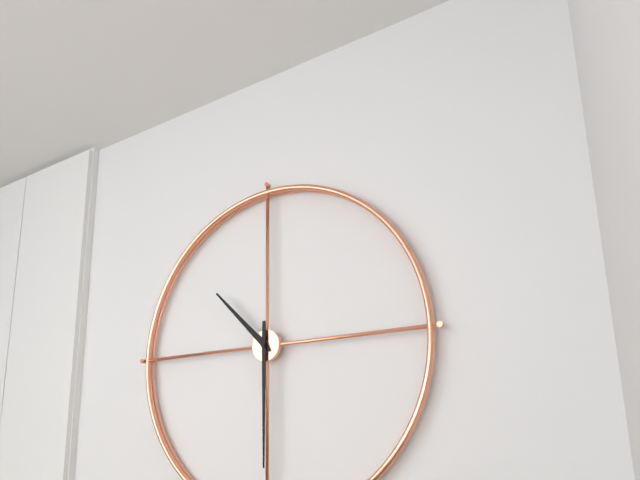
**10:30**
